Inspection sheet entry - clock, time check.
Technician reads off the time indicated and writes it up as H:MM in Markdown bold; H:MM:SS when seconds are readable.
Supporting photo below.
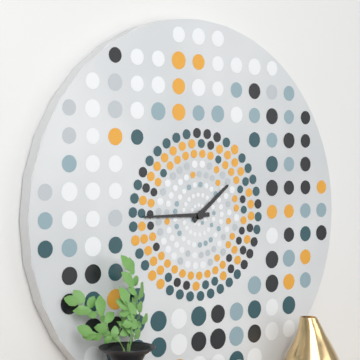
**1:45**
